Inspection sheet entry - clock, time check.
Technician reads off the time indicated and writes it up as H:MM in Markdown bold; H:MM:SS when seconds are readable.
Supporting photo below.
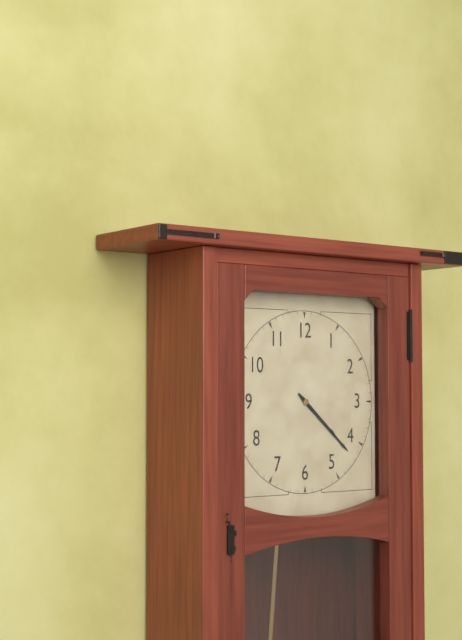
**4:22**
